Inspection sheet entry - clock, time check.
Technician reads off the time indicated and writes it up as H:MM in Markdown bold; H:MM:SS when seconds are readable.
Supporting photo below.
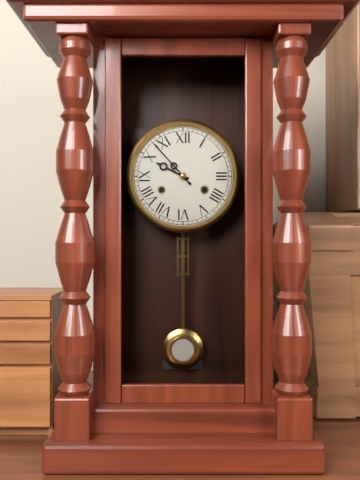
**9:53**
